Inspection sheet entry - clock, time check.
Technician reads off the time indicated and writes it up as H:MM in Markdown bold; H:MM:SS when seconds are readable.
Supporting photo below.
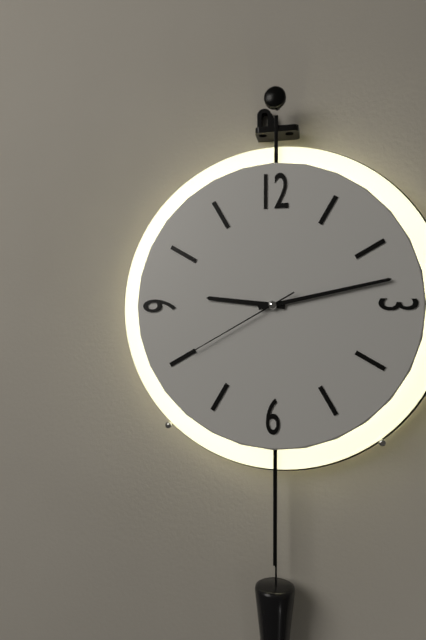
**9:13:40**
